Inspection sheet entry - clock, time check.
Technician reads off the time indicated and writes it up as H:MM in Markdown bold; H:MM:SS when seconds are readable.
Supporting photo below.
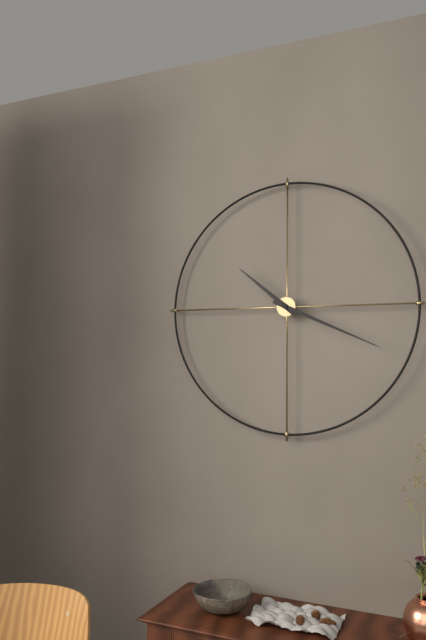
**10:19**
